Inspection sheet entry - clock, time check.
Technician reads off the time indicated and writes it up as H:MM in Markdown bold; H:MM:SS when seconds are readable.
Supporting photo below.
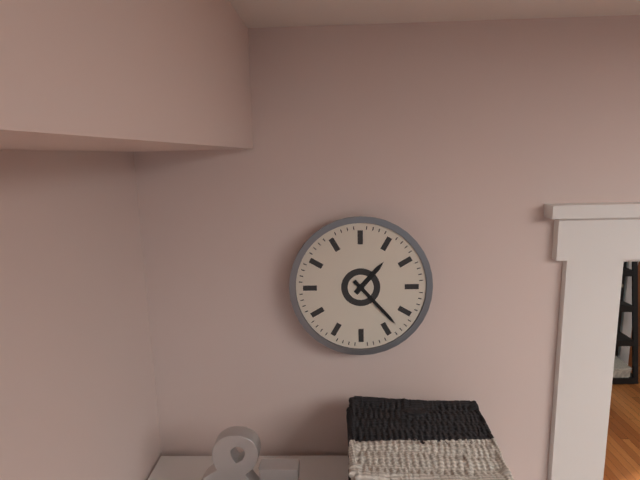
**1:23**
